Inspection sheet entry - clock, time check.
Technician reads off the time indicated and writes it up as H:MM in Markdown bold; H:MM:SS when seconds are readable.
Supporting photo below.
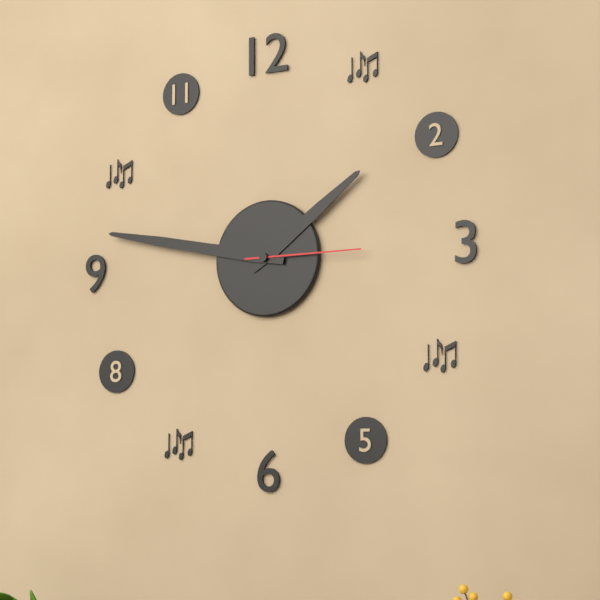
**1:47:15**
